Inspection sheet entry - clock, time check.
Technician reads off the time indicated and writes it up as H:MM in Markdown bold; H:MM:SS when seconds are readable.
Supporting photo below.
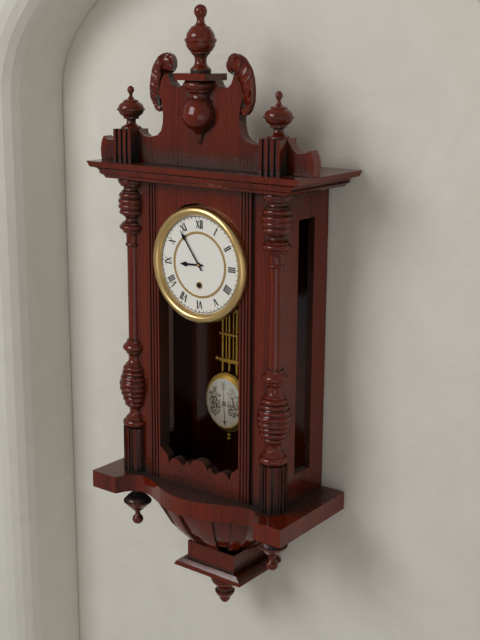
**8:54**
